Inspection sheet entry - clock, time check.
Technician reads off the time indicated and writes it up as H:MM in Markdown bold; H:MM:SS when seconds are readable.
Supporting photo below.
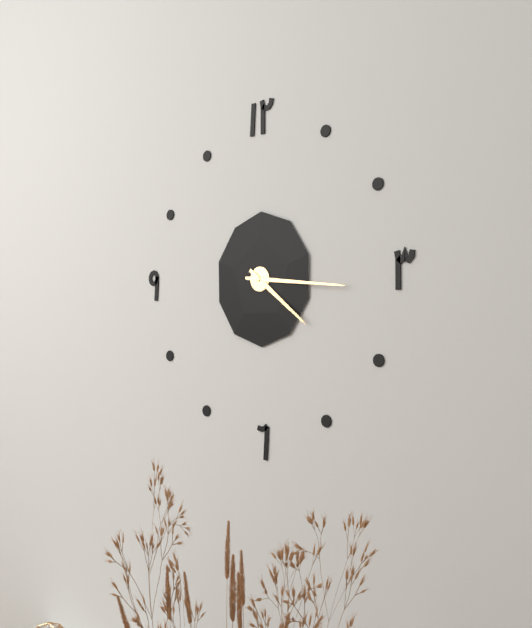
**4:16**
